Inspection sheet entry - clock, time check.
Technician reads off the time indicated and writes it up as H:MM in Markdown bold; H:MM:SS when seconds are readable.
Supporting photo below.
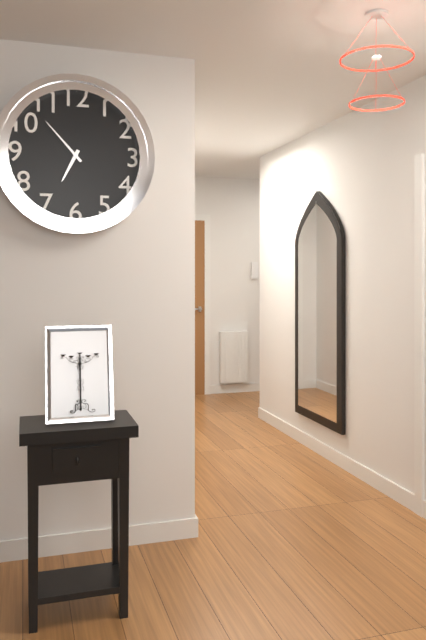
**6:53**
